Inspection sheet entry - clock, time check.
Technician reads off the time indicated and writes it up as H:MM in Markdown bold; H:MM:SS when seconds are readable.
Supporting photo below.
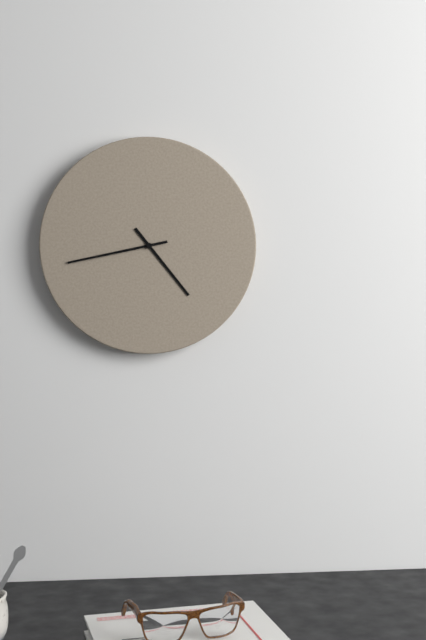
**4:43**
